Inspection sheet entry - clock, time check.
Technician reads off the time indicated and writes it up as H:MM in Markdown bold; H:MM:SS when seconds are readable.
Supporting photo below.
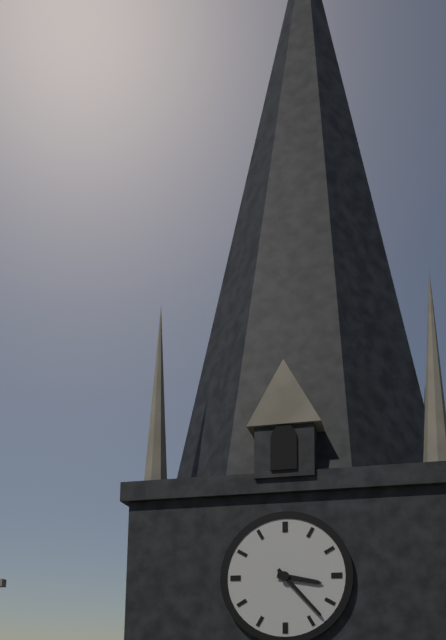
**3:23**
